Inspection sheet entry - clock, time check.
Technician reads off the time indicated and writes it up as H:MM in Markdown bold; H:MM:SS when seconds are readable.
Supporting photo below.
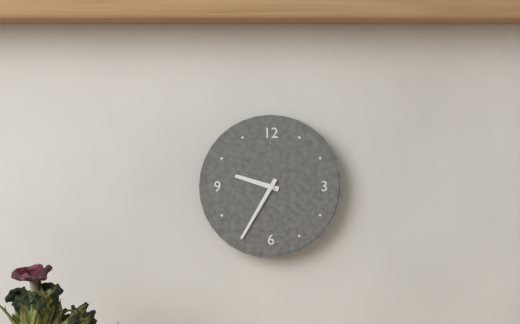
**9:35**
